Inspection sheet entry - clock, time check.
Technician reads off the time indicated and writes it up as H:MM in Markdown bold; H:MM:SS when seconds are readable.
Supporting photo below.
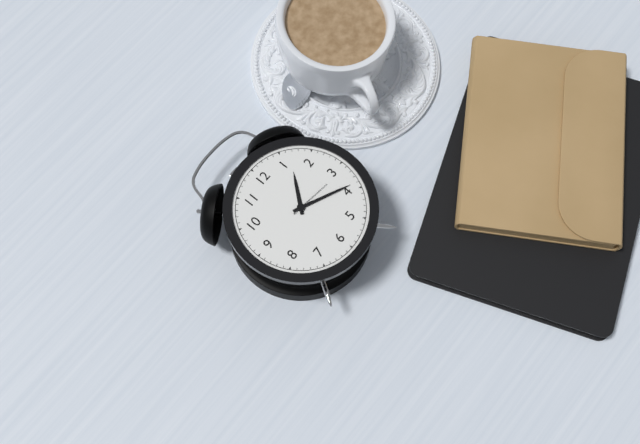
**1:19**
